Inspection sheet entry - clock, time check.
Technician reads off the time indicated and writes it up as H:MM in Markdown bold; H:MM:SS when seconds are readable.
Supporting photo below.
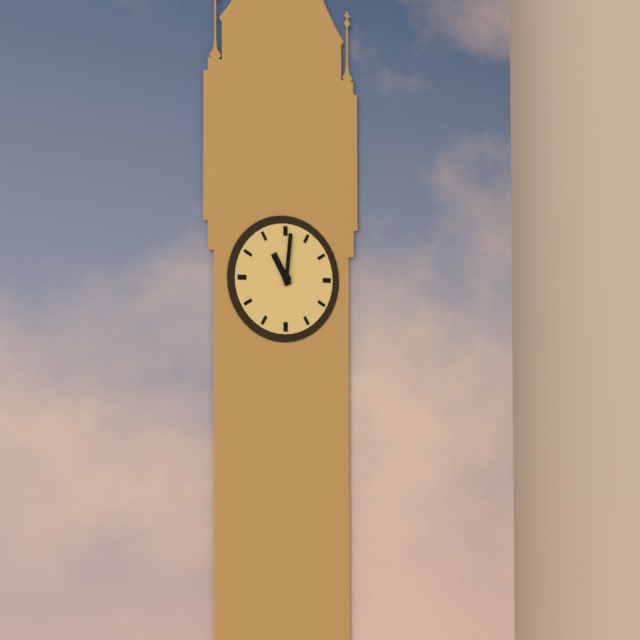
**11:01**
